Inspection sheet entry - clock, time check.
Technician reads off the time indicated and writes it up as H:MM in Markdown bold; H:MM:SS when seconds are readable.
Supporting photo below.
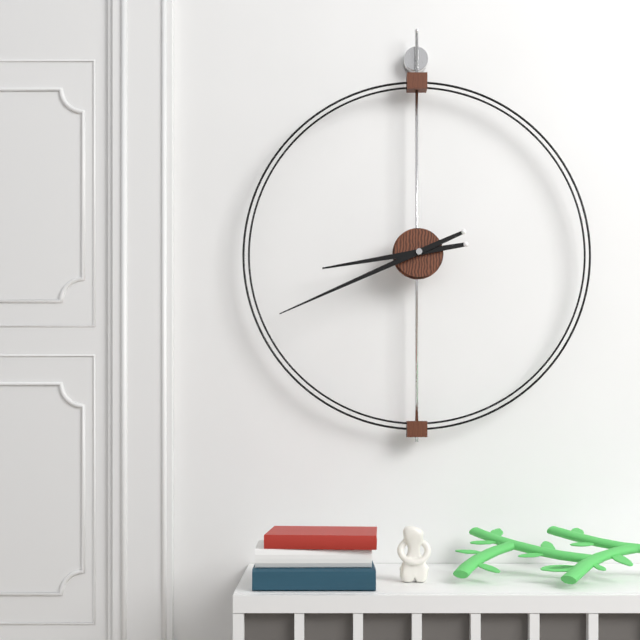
**8:41**
